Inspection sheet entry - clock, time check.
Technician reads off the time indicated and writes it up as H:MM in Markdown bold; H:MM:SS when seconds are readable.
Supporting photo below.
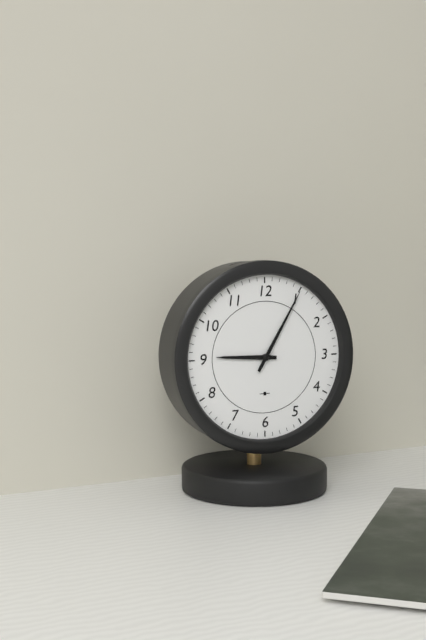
**9:05**
